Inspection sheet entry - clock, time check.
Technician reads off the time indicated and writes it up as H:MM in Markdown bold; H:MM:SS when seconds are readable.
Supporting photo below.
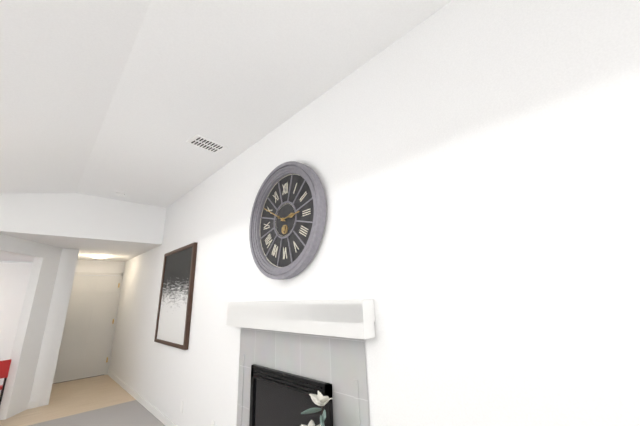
**2:50**
